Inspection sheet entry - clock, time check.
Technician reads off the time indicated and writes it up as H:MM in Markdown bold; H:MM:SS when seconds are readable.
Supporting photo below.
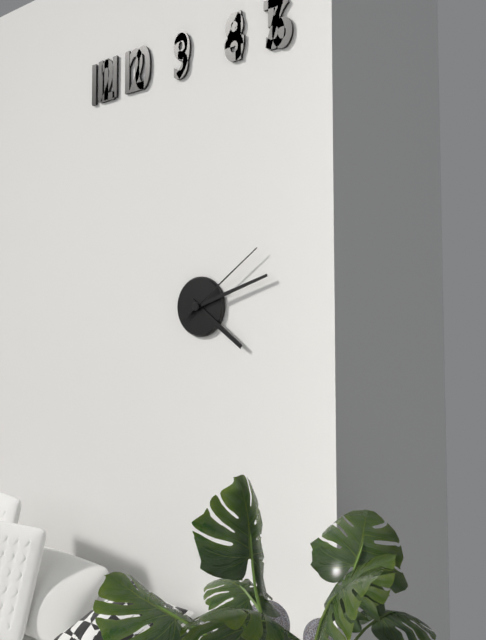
**4:12:09**
